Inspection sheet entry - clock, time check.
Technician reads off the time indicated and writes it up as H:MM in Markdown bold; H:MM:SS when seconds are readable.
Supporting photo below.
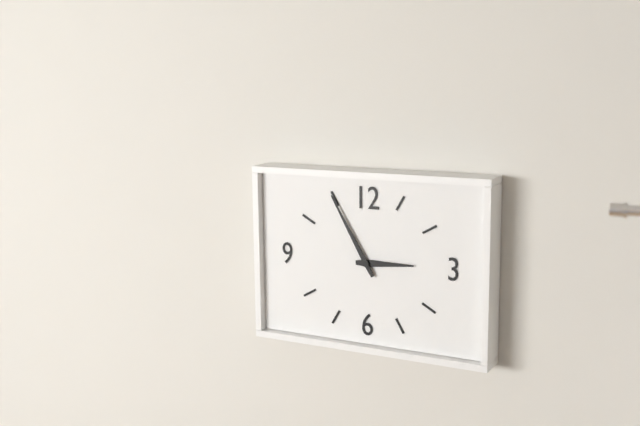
**2:55**
